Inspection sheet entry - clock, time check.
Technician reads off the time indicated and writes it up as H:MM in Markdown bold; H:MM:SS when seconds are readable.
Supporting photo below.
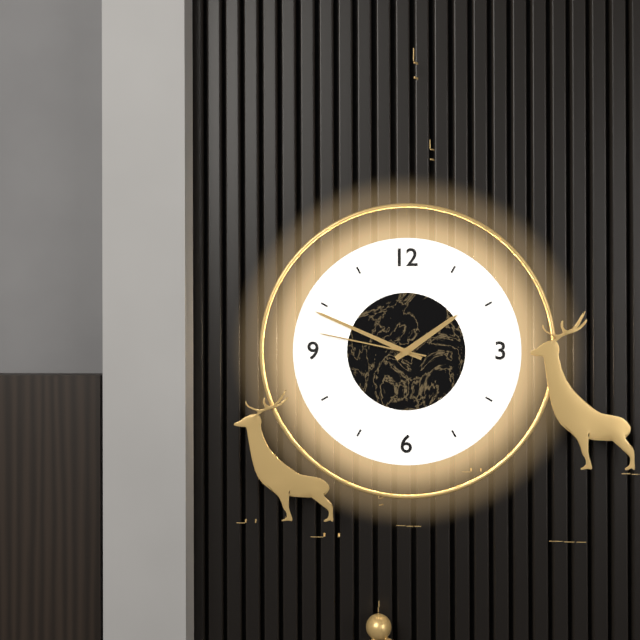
**1:49:47**
